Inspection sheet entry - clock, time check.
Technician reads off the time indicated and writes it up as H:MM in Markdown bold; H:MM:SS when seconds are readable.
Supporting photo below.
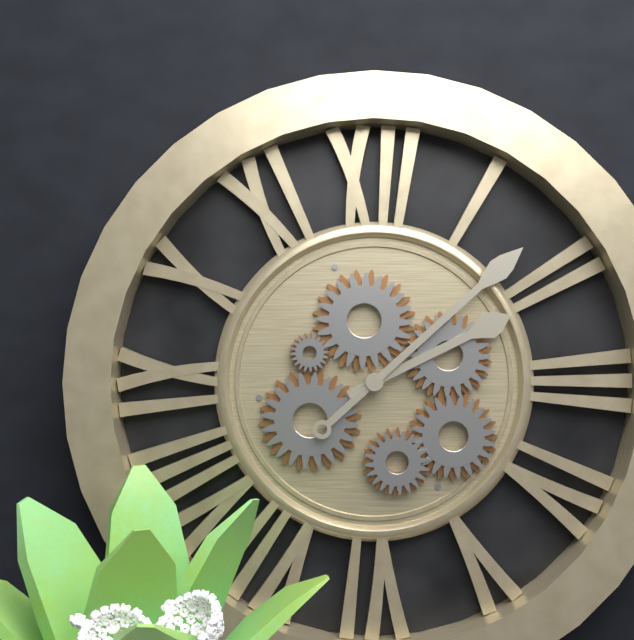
**2:08**
